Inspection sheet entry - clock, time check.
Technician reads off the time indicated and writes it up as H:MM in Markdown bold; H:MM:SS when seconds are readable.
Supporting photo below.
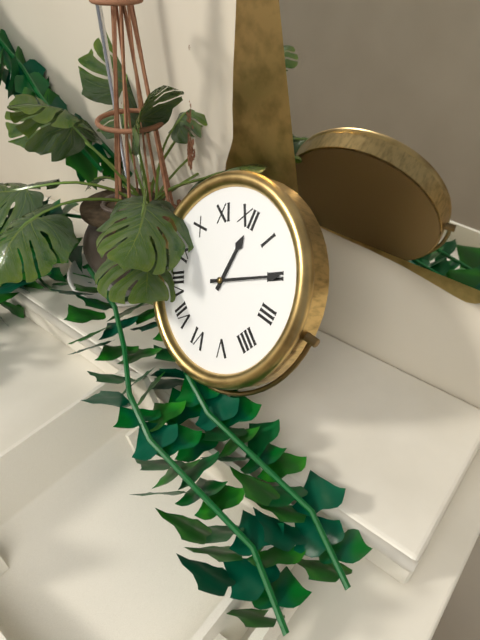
**12:10**
